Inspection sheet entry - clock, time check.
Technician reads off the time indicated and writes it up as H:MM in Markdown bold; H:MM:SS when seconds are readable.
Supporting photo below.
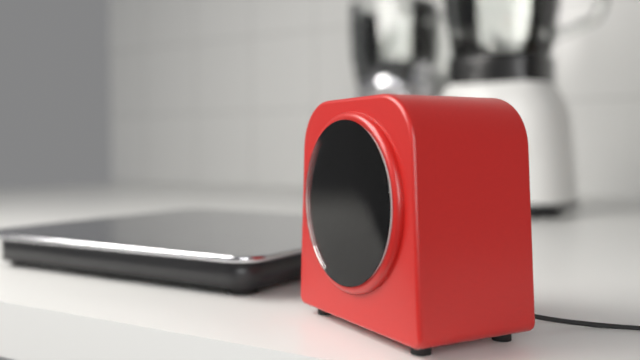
**2:32**
